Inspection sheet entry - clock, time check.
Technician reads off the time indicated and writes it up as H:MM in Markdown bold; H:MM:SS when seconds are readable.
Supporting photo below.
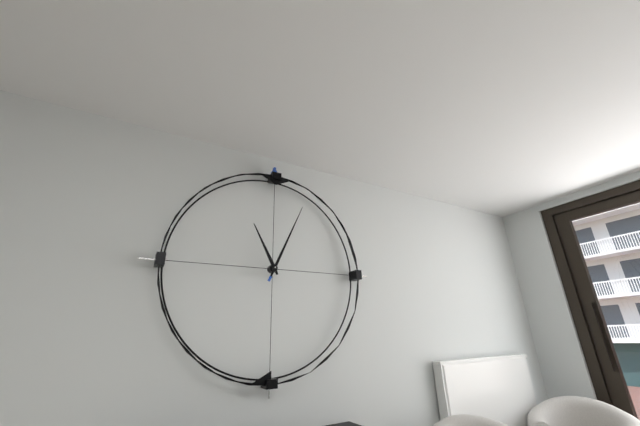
**11:04**
